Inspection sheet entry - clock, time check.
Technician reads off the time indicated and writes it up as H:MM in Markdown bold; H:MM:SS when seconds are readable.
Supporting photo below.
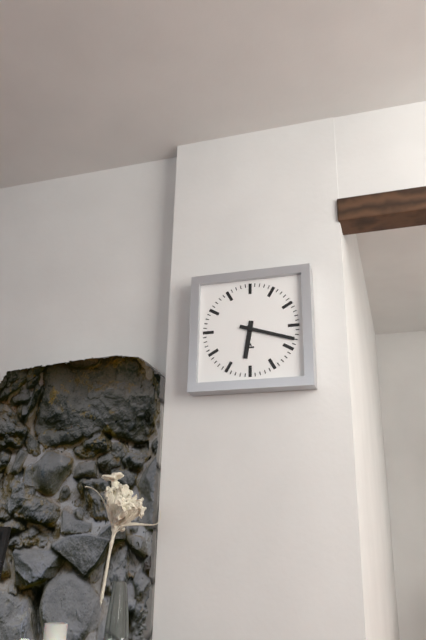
**6:18**
